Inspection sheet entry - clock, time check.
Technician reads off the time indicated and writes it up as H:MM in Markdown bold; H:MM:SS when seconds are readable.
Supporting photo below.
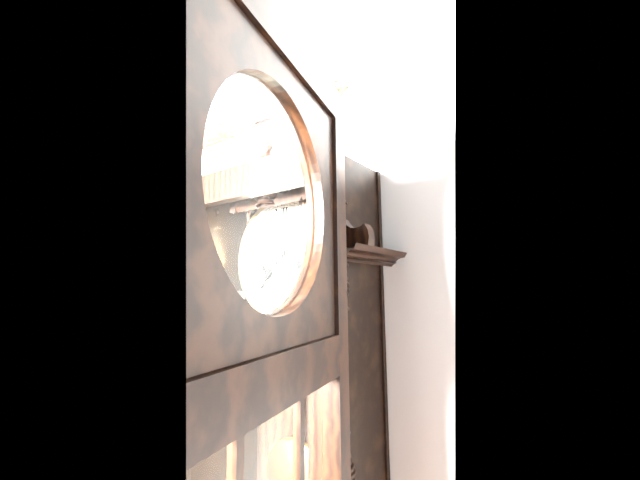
**7:37**
